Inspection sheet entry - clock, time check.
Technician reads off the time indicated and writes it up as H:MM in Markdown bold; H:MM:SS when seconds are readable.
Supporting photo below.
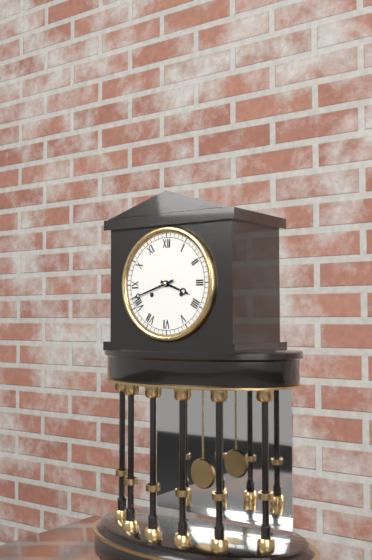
**3:42**
